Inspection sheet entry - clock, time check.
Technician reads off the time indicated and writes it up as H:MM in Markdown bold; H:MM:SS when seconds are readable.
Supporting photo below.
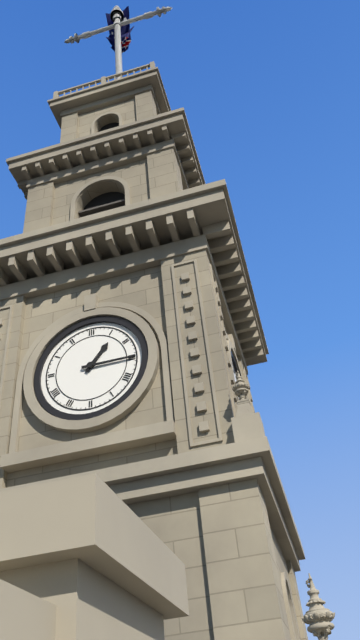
**1:15**
